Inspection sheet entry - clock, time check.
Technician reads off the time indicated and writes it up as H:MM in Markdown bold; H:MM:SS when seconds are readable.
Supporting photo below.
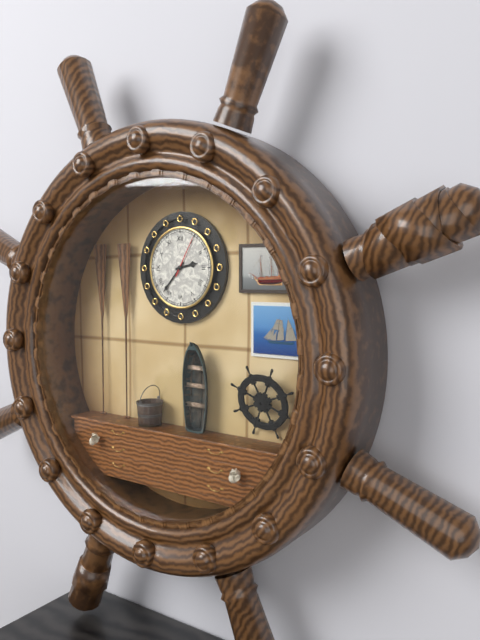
**2:37**
